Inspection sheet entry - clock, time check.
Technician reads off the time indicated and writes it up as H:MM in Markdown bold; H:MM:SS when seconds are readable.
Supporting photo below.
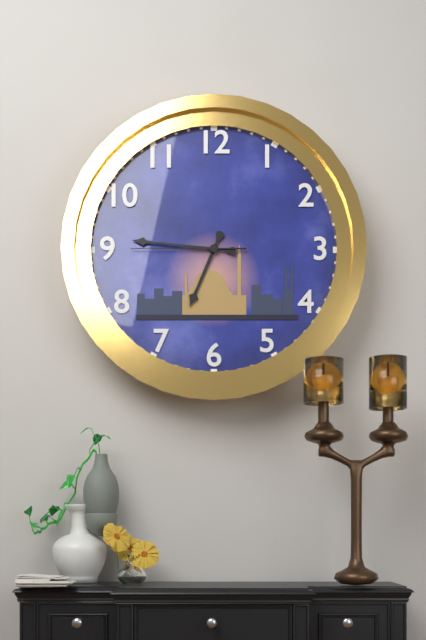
**6:46:45**
